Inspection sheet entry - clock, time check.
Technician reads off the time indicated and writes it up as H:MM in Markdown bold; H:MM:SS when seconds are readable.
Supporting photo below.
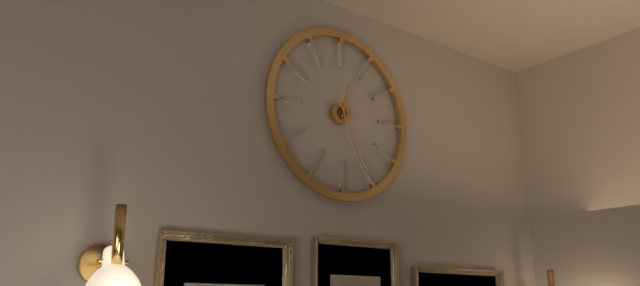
**12:26**
